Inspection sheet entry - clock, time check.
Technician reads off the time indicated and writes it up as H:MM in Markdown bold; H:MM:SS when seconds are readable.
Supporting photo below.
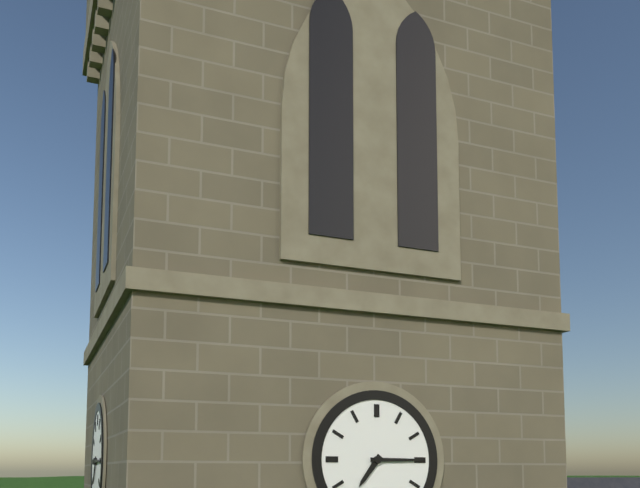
**7:15**
